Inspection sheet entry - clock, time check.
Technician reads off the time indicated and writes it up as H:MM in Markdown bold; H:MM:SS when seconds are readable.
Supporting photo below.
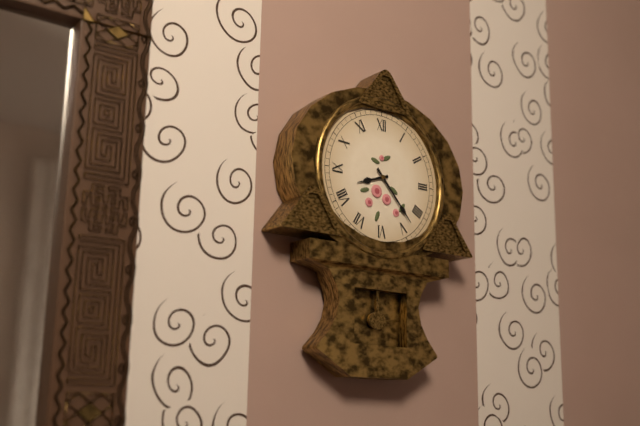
**8:23**
